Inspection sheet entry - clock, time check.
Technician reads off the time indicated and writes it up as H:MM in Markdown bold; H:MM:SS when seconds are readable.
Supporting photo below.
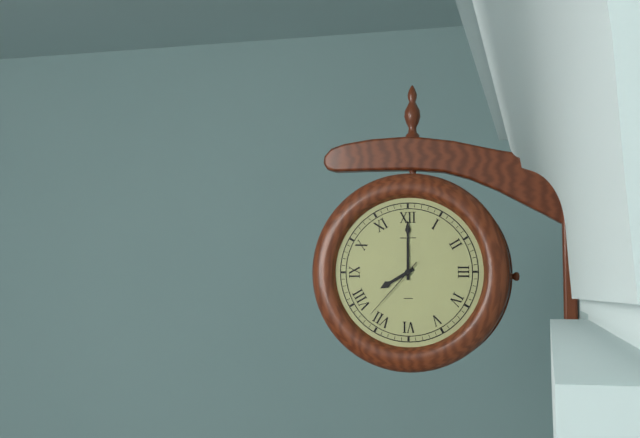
**8:00:37**
